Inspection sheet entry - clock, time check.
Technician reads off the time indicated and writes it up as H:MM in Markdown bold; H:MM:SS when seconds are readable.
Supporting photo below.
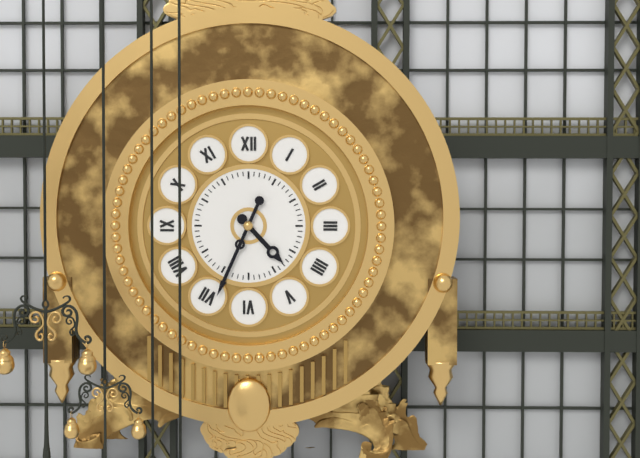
**4:34**
